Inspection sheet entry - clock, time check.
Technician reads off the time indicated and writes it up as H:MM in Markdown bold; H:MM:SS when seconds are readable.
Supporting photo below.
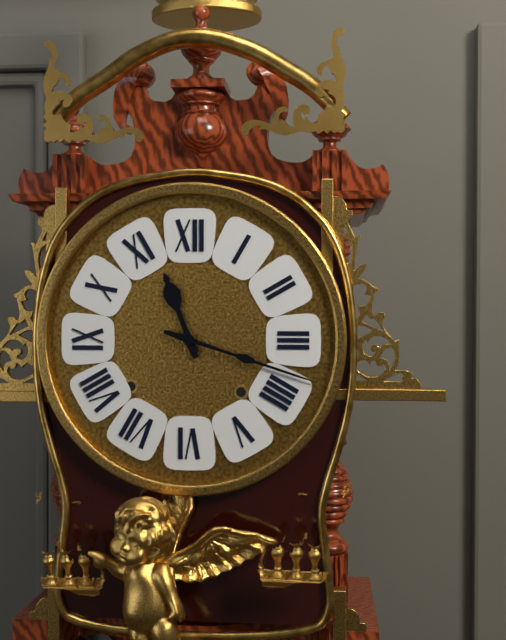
**11:18**
